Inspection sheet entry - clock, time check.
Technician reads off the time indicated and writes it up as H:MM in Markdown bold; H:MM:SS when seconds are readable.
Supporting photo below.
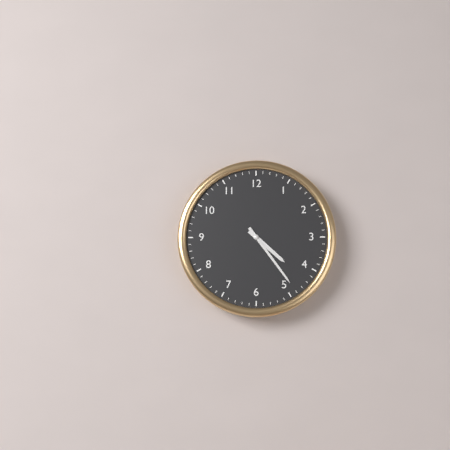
**4:24**
